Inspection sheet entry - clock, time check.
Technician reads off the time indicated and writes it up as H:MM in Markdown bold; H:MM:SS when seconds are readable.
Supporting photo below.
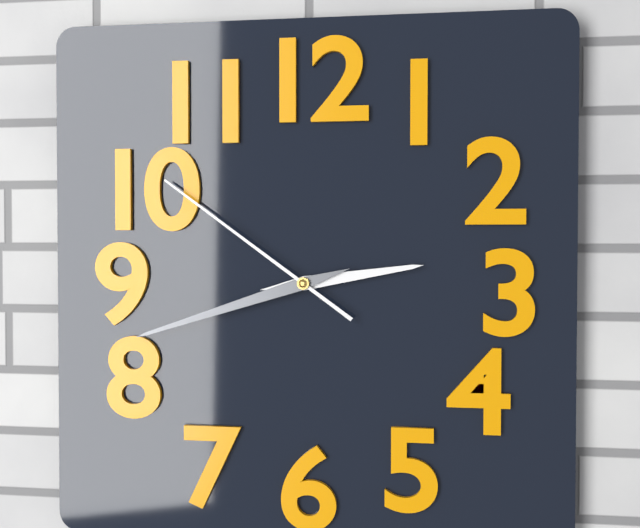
**2:42:51**
